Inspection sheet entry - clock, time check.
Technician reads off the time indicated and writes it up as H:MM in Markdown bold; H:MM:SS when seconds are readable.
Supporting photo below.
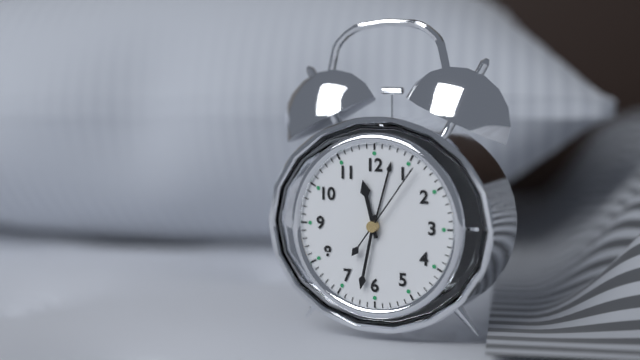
**11:32:06**
